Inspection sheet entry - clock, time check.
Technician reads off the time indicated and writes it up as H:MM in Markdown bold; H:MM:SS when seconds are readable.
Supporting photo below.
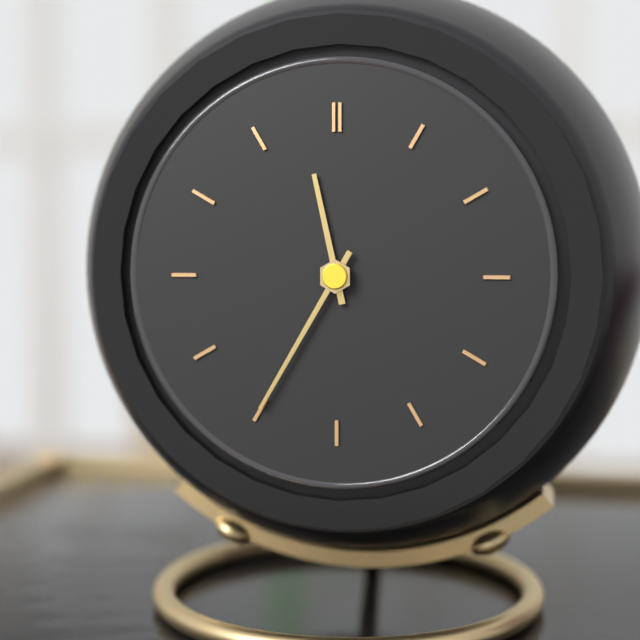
**11:35**
